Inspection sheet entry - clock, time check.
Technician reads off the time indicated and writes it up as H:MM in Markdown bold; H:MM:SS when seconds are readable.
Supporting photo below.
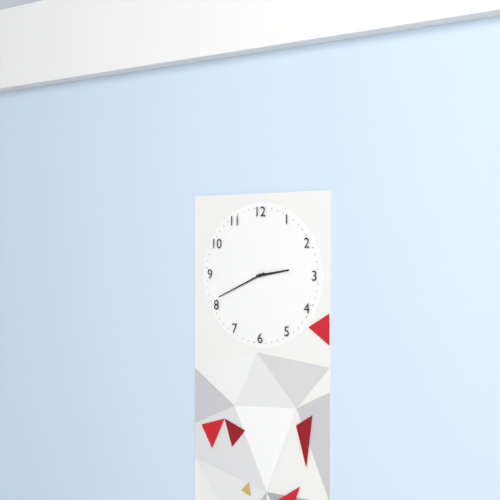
**2:41**
